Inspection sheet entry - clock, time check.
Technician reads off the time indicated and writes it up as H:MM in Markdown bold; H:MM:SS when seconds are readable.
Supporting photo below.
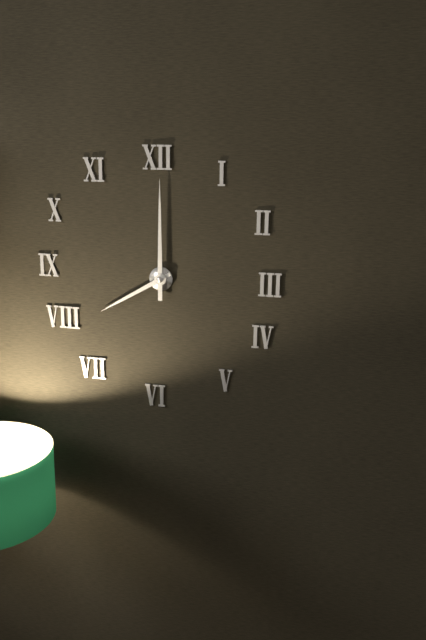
**8:00**
